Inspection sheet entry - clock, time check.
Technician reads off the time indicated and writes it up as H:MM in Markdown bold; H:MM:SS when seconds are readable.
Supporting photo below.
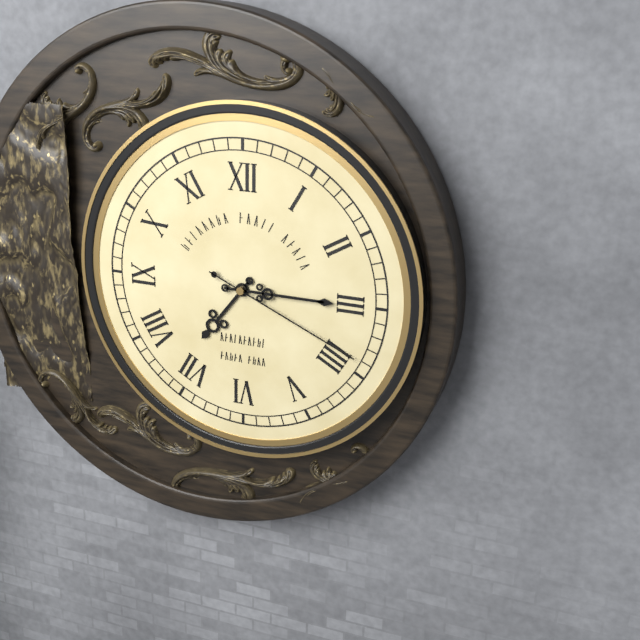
**7:15:19**
